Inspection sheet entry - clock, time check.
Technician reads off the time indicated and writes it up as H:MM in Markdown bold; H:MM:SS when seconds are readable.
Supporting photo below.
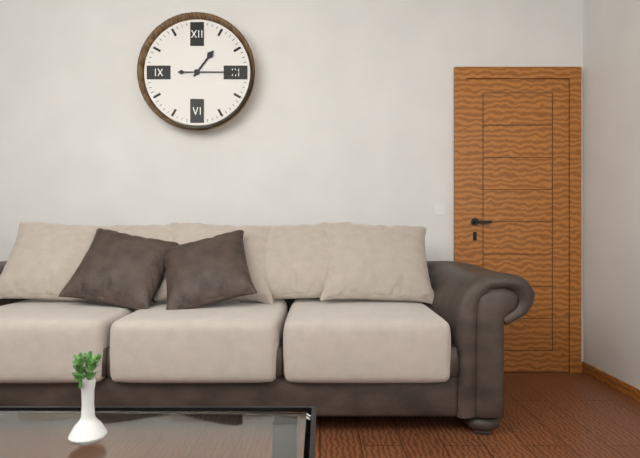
**1:15**
